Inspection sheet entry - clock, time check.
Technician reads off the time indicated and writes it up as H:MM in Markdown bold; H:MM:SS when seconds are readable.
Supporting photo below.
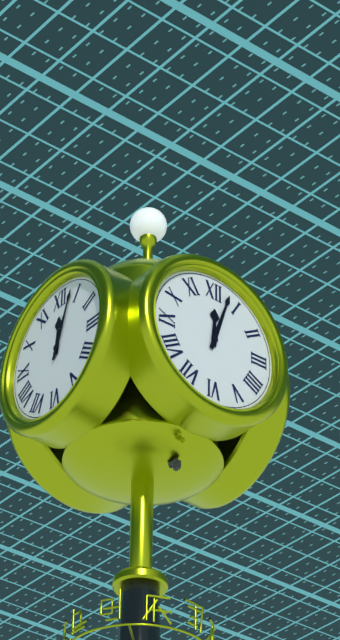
**12:03**
